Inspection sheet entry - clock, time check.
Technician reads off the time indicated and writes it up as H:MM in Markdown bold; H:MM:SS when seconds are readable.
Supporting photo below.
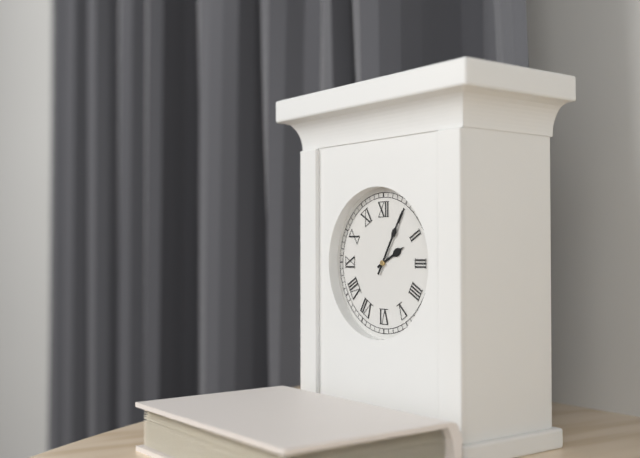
**2:05**
